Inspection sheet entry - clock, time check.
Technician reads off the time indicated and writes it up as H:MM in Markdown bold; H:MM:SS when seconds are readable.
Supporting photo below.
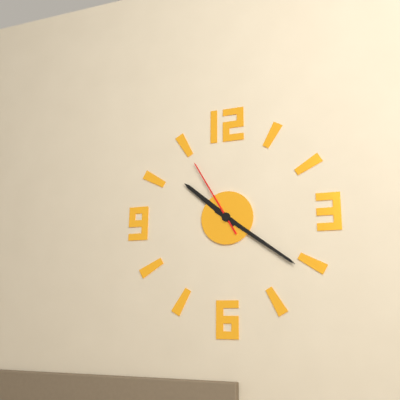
**10:21:55**
